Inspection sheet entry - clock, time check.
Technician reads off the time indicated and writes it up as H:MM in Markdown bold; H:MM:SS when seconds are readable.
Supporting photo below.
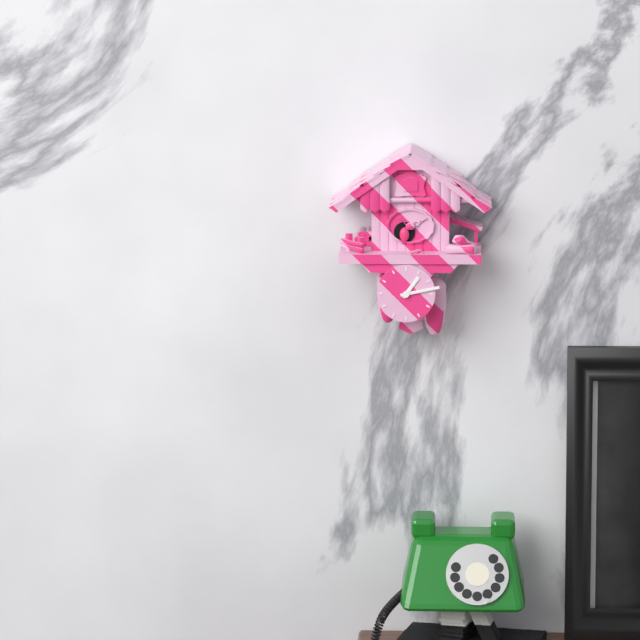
**1:13**
